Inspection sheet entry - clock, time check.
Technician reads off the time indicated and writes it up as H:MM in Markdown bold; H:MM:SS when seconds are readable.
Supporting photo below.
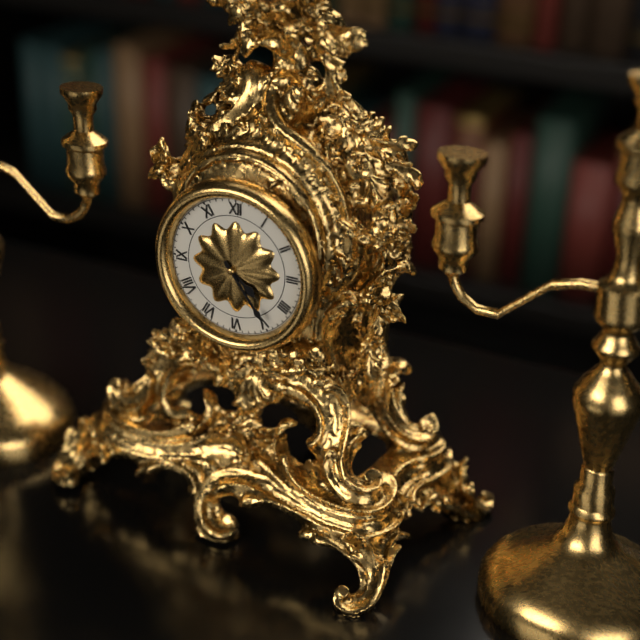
**4:24**
